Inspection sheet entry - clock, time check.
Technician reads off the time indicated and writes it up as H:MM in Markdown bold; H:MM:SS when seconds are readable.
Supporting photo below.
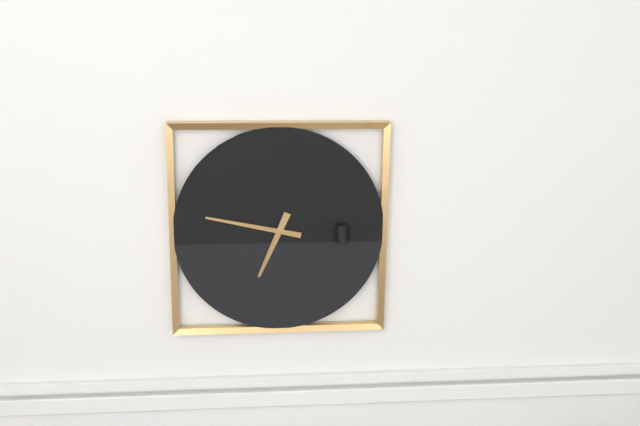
**6:47**
